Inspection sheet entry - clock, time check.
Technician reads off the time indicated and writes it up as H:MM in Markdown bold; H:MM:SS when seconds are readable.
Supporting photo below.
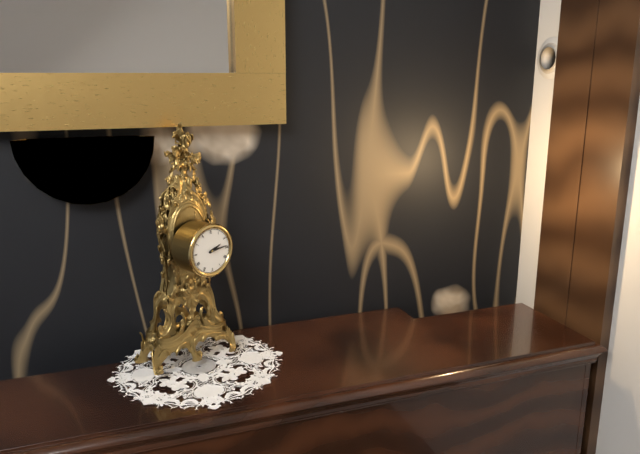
**2:14**
